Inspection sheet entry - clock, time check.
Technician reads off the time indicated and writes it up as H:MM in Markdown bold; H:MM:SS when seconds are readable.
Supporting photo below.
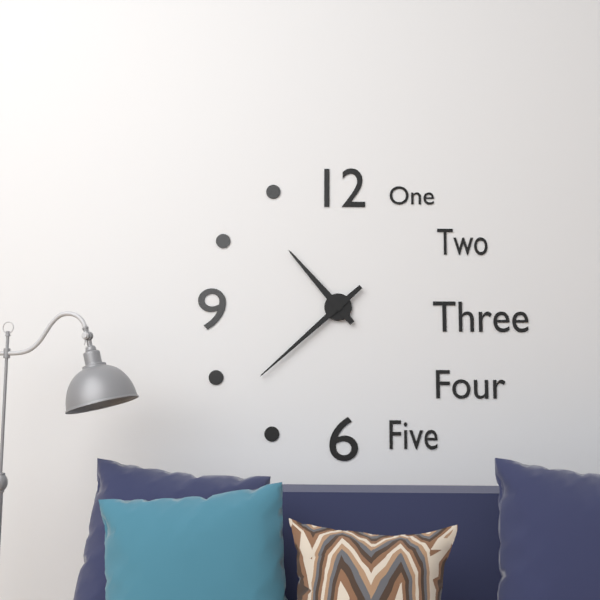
**10:38**
